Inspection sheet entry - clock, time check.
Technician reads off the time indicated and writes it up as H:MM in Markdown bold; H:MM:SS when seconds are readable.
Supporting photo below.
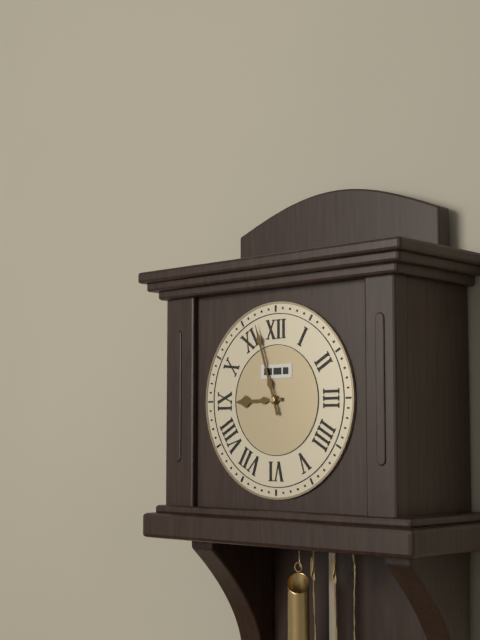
**8:57**
